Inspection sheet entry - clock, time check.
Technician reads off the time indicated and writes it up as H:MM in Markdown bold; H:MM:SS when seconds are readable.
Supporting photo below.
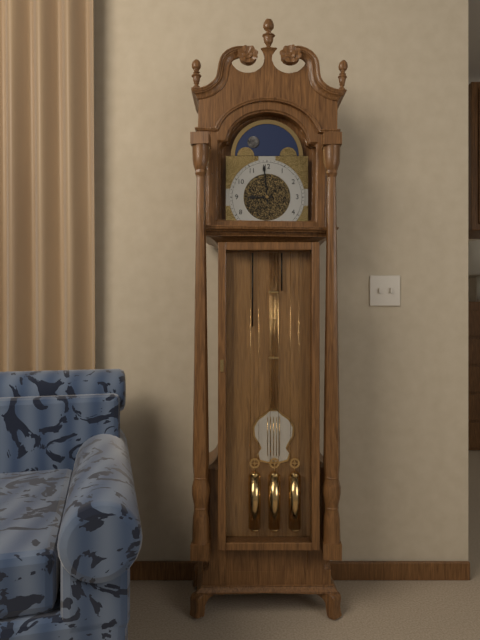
**8:59**
